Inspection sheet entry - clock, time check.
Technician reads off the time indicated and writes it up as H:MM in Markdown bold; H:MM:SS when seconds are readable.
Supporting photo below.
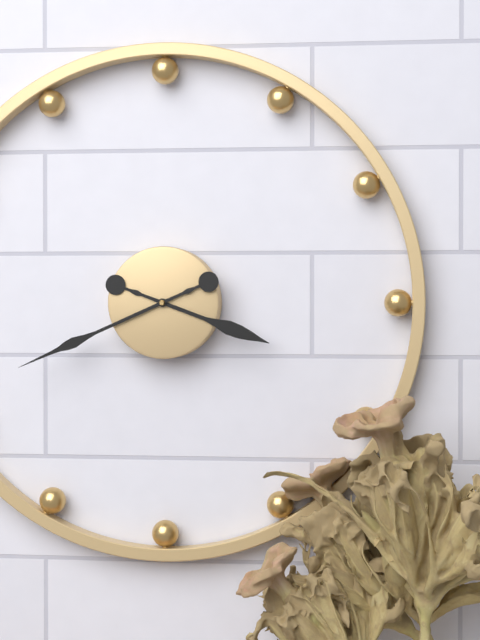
**3:41**
